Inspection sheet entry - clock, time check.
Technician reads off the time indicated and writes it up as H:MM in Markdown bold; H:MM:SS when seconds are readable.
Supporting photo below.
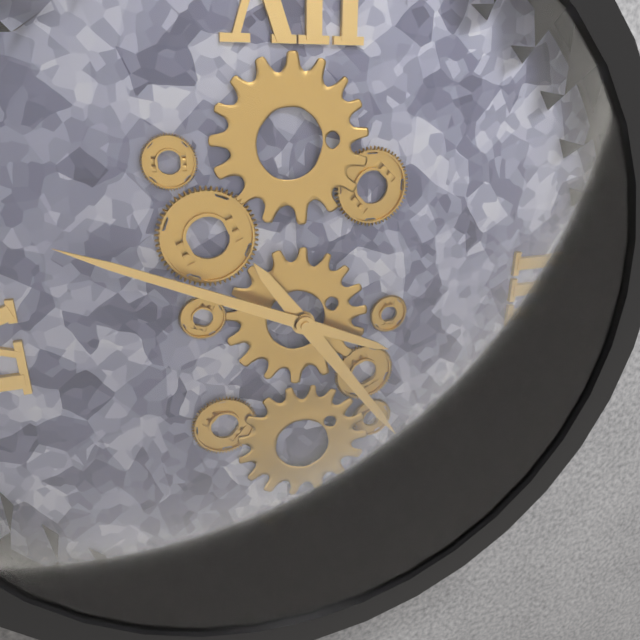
**4:49**
